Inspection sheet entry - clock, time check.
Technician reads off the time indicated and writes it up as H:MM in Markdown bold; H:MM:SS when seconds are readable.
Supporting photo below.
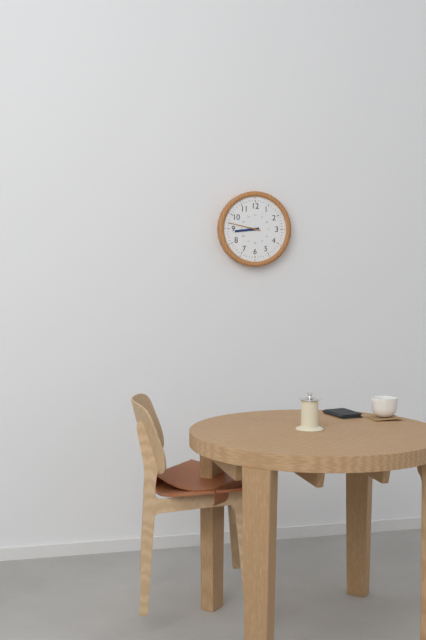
**8:47**
